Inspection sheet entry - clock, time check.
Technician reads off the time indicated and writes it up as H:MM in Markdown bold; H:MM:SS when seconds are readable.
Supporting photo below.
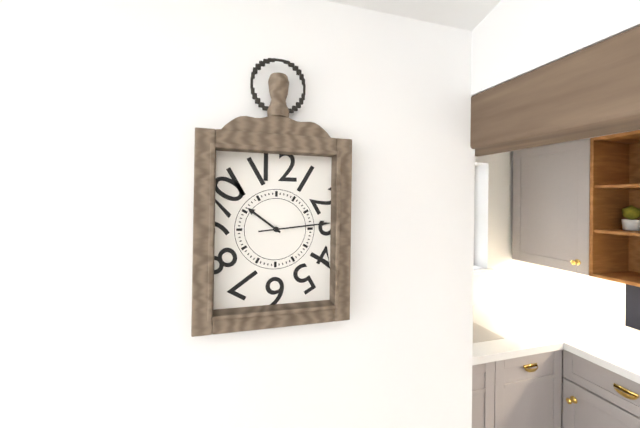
**10:14**
